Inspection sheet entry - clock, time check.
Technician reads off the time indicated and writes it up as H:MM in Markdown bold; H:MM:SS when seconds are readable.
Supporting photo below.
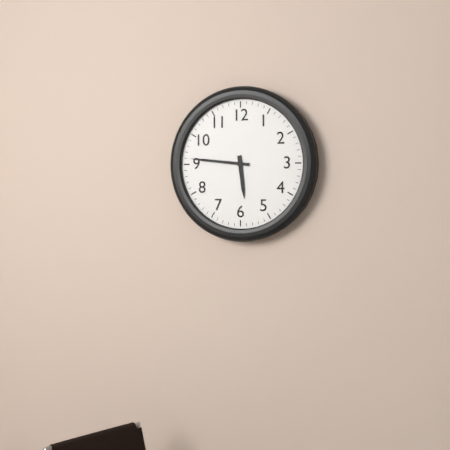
**5:46**
